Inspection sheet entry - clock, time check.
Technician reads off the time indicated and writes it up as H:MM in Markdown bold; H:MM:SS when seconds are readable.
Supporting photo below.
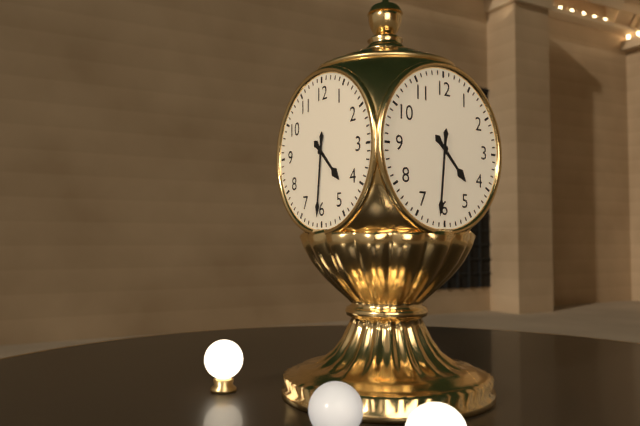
**4:31**
